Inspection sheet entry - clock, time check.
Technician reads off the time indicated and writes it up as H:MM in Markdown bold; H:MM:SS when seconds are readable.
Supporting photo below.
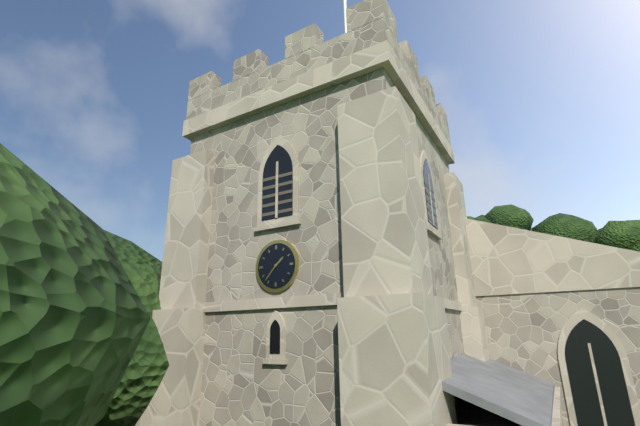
**1:37**
